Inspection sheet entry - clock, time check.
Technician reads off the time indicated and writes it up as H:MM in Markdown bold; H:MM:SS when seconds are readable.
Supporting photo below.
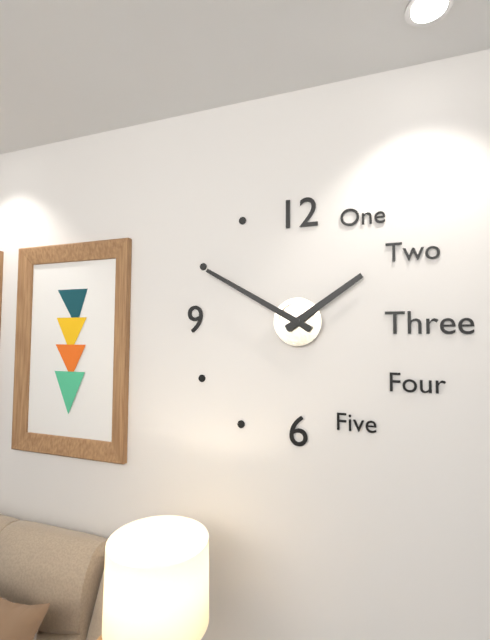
**1:50**
